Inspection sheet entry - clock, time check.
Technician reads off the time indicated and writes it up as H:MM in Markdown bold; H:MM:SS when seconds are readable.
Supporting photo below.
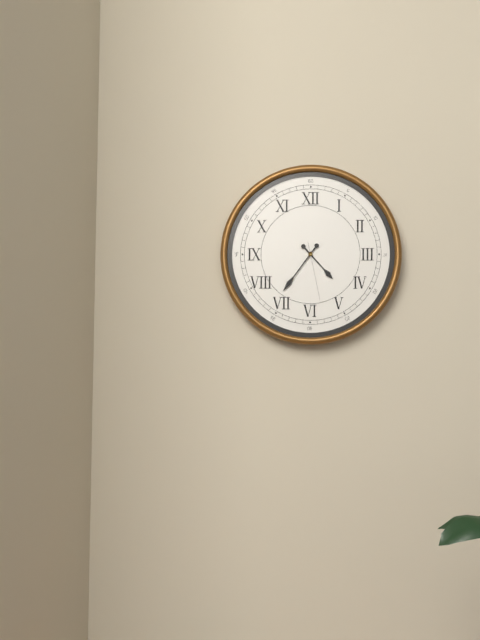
**4:36:28**
